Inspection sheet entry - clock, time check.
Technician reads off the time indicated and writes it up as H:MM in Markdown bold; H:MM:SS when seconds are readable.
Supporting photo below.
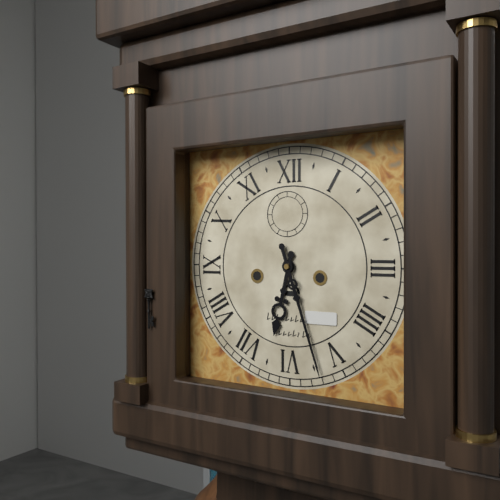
**6:27**
